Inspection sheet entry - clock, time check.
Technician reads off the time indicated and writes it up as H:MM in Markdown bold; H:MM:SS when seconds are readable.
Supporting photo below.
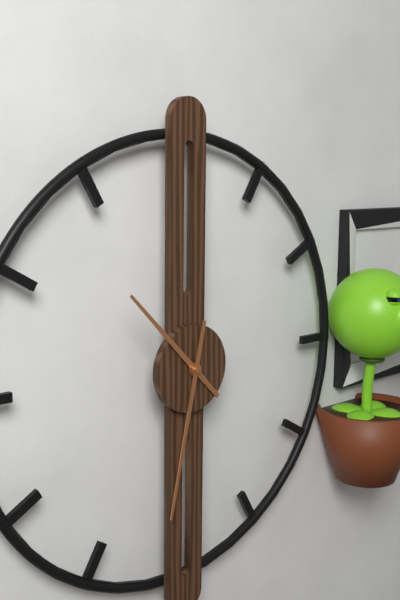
**10:32**
